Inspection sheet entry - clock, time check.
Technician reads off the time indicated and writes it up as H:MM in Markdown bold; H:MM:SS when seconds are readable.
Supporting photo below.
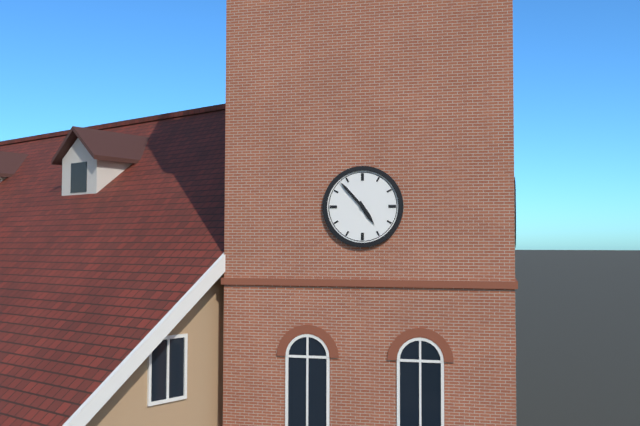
**4:53**
